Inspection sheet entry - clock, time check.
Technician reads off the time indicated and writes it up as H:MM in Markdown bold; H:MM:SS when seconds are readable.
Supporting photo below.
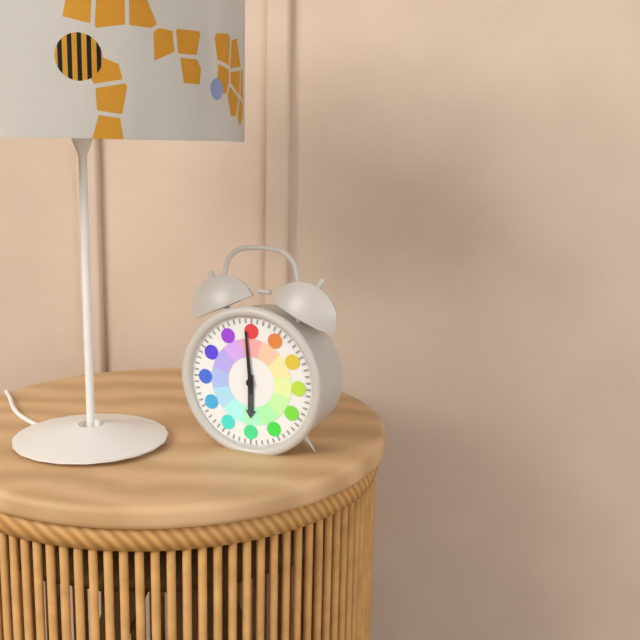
**5:59**
